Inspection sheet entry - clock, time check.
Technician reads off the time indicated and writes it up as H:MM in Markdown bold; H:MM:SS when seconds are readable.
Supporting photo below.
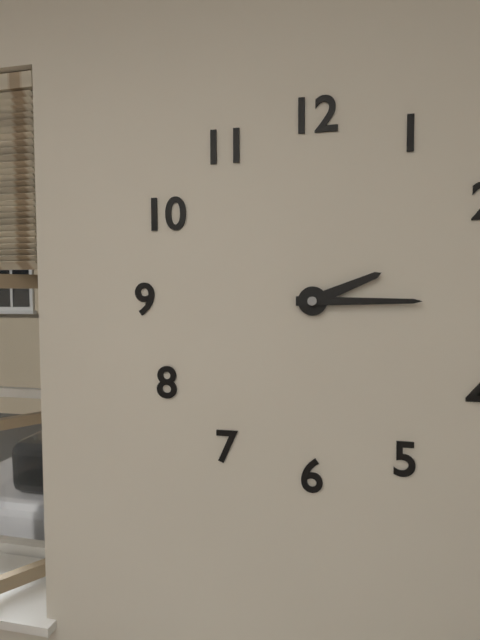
**2:15**
